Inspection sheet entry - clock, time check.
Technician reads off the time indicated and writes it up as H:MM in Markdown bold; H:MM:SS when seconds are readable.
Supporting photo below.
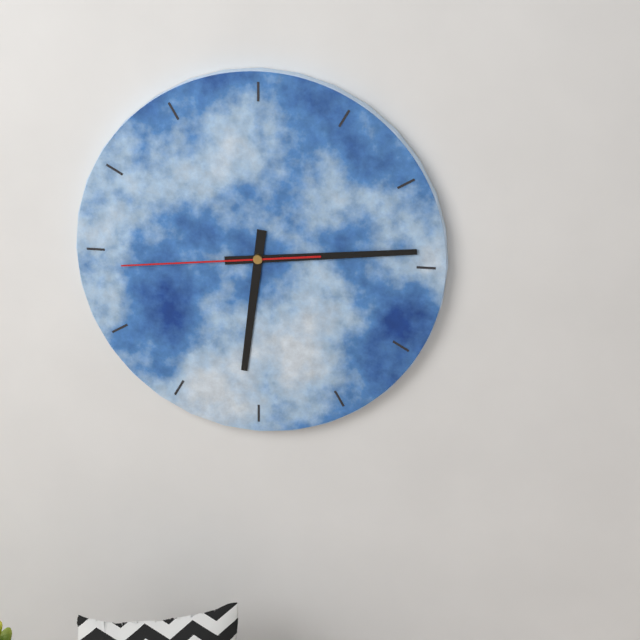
**6:14:44**
